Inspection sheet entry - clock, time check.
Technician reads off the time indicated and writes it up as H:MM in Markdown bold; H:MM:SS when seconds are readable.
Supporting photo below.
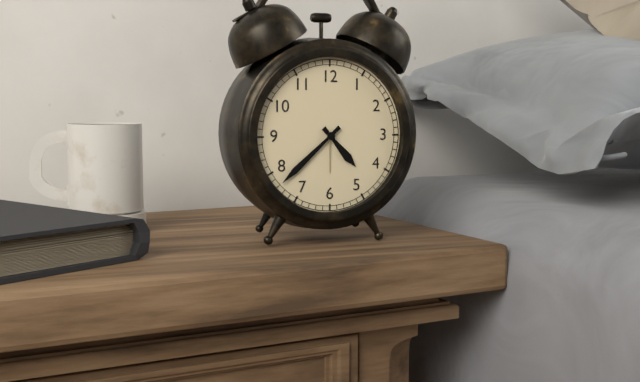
**4:38**
